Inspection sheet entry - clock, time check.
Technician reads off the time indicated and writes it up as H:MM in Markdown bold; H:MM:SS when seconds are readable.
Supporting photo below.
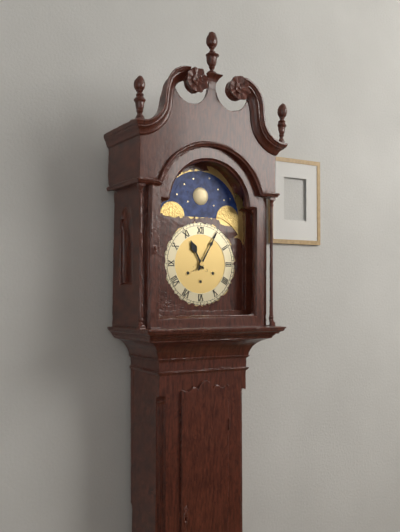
**11:05**
